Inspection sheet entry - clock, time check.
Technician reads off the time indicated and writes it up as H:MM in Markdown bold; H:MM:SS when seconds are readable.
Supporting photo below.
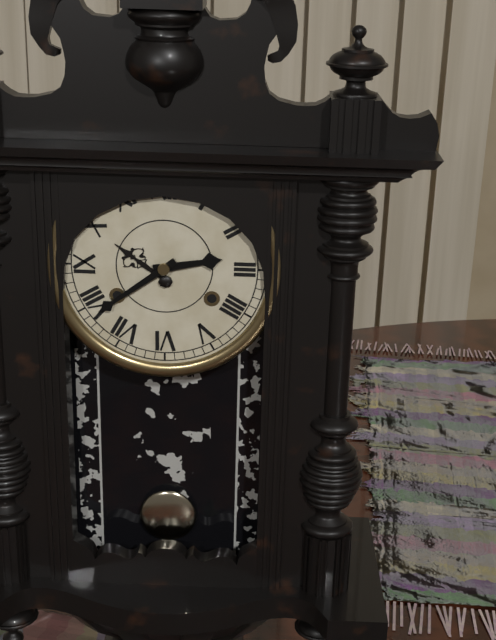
**2:39**
